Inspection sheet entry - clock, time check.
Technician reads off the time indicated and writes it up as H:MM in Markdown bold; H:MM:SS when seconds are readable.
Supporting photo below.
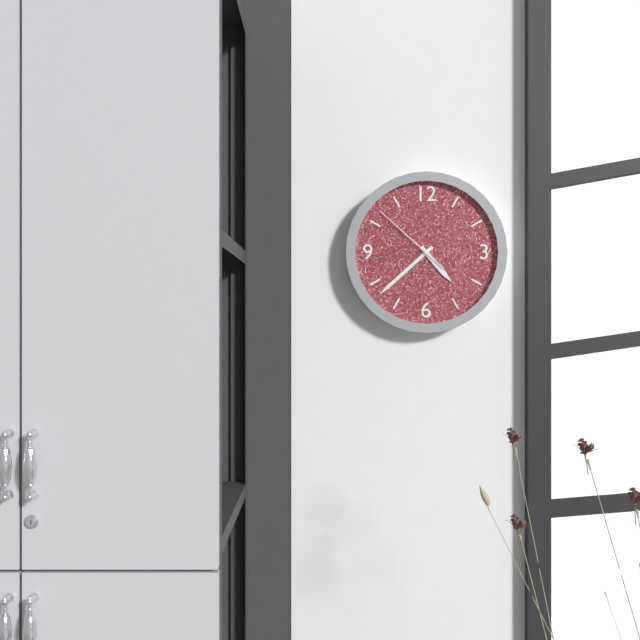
**4:38:52**
